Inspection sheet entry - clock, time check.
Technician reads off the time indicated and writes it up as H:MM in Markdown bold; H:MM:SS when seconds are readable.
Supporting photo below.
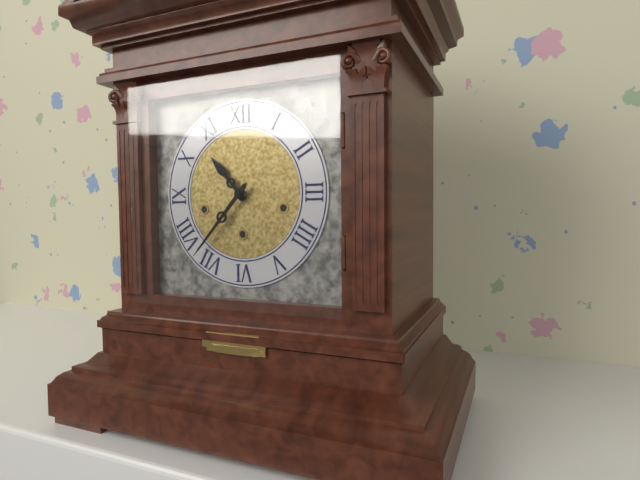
**10:37**
